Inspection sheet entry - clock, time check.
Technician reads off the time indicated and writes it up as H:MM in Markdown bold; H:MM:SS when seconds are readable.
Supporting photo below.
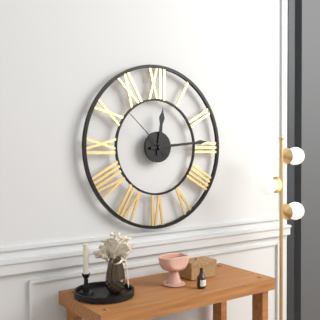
**12:14:52**
